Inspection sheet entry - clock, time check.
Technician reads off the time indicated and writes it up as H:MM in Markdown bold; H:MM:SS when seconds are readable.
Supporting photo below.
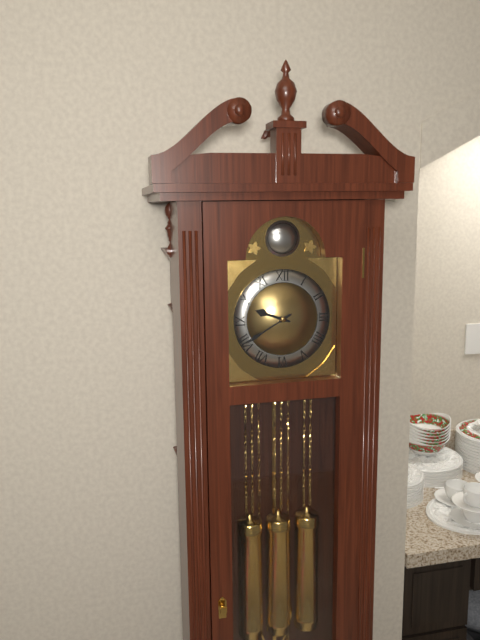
**9:40**
